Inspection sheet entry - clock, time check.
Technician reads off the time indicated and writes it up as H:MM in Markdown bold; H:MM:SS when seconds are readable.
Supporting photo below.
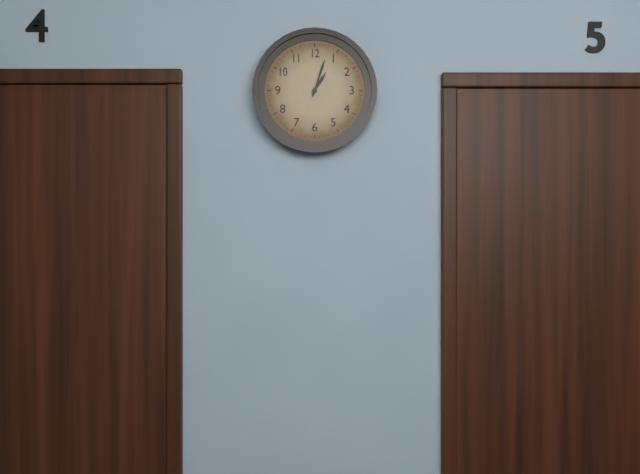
**1:03**
